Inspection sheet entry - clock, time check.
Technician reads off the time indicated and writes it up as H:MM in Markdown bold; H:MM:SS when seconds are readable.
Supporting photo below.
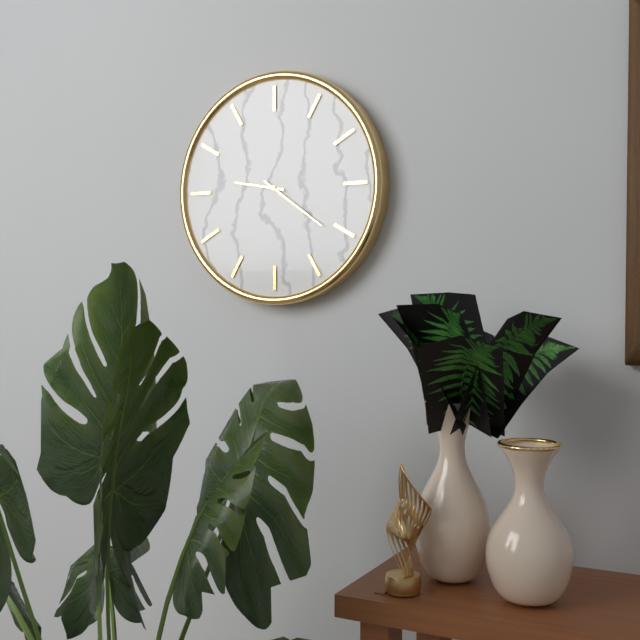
**9:21**
